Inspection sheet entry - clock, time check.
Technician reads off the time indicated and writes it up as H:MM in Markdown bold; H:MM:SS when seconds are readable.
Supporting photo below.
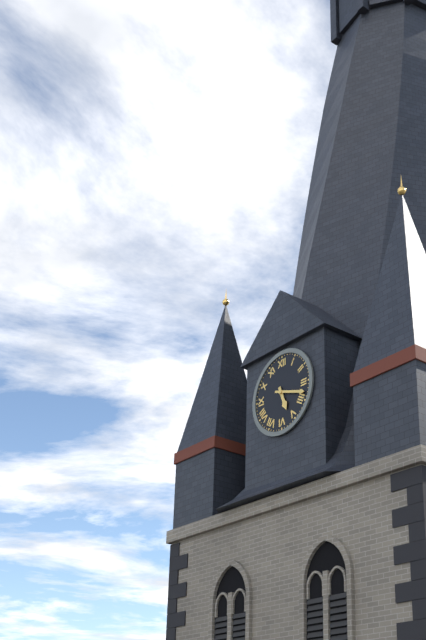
**5:18**
